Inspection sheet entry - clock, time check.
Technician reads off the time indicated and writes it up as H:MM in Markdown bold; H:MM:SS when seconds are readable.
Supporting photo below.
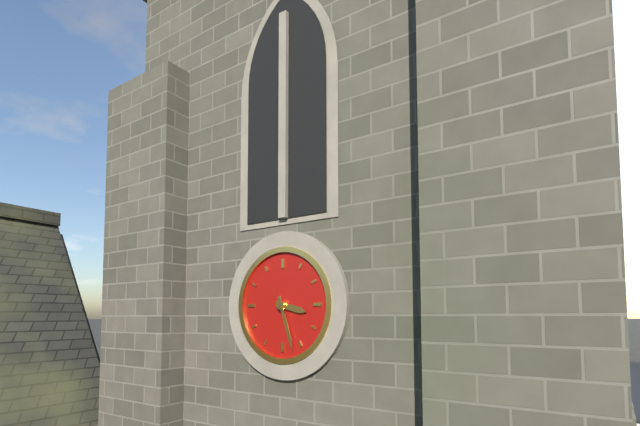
**3:27**
